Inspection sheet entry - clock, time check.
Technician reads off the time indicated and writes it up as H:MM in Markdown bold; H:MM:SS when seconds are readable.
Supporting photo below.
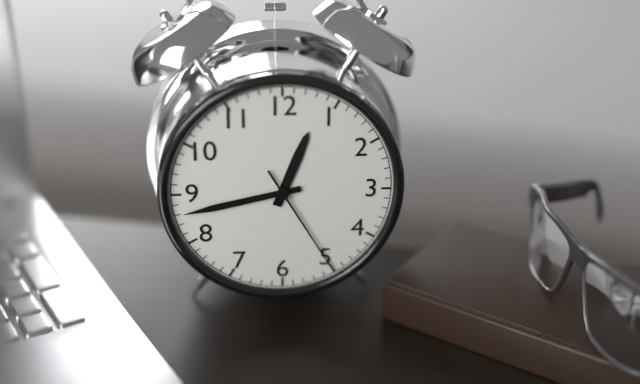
**12:43:25**
